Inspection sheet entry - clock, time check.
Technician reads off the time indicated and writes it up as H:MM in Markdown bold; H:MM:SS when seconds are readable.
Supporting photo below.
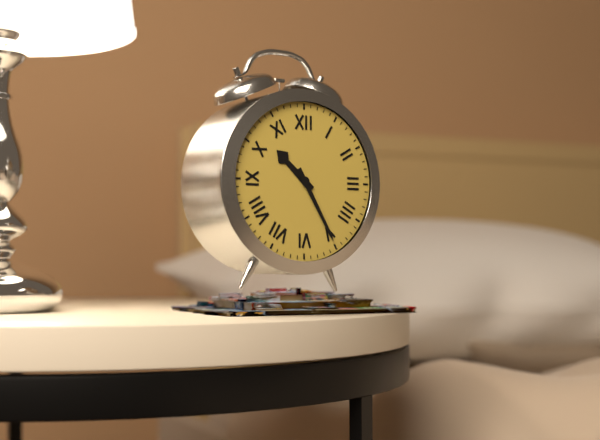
**10:25**
